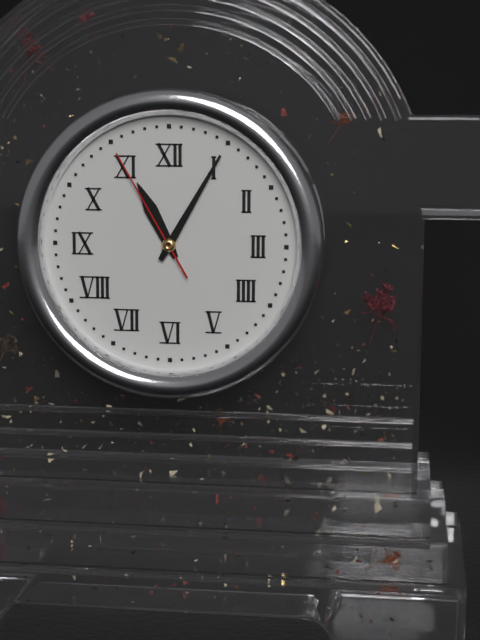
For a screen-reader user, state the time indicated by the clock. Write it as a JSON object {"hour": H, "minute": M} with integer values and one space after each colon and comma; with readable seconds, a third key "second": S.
{"hour": 11, "minute": 5, "second": 55}
